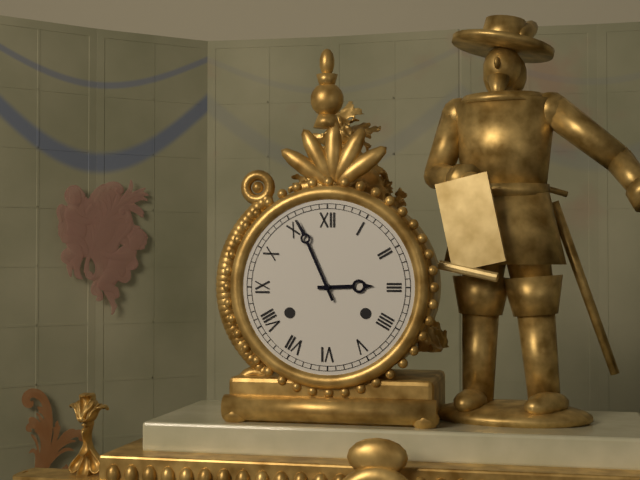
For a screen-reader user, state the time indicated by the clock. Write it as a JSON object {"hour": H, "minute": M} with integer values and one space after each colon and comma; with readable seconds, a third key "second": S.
{"hour": 2, "minute": 56}
